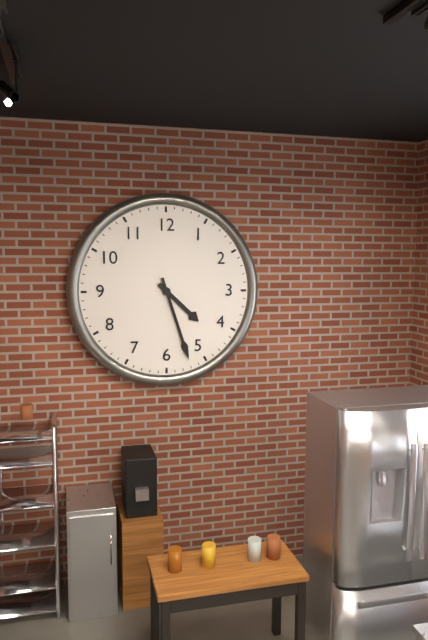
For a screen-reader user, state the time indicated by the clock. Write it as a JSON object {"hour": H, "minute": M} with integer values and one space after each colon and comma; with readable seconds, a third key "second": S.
{"hour": 4, "minute": 27}
